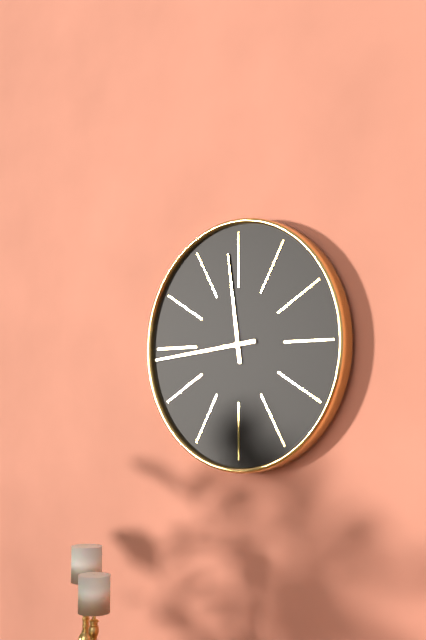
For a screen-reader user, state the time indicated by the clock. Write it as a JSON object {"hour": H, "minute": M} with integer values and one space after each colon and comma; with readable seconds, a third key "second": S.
{"hour": 11, "minute": 44}
